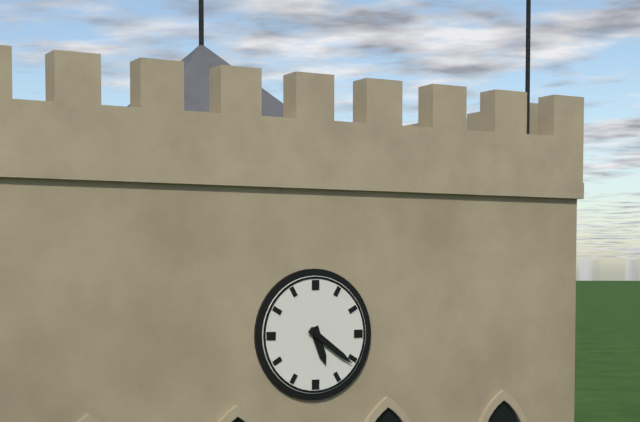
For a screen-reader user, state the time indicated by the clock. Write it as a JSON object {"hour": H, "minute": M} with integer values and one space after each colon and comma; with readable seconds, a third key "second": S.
{"hour": 5, "minute": 21}
